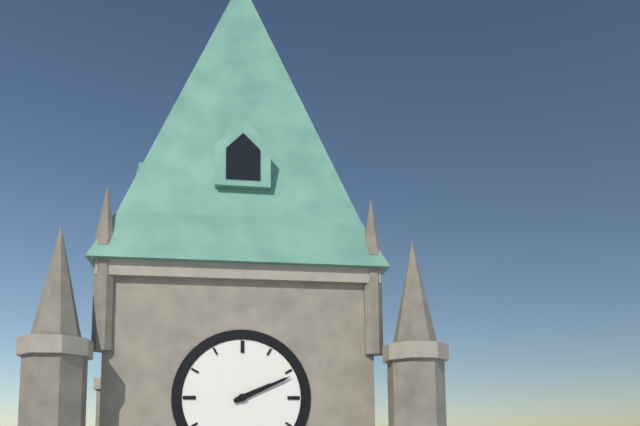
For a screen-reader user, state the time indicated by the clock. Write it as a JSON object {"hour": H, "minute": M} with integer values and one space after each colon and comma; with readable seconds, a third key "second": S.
{"hour": 2, "minute": 11}
